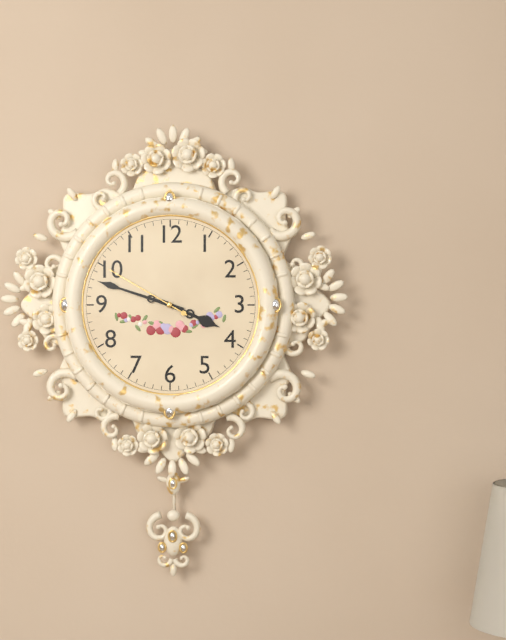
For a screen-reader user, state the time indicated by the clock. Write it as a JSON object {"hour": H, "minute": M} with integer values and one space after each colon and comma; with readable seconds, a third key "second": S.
{"hour": 3, "minute": 48, "second": 50}
